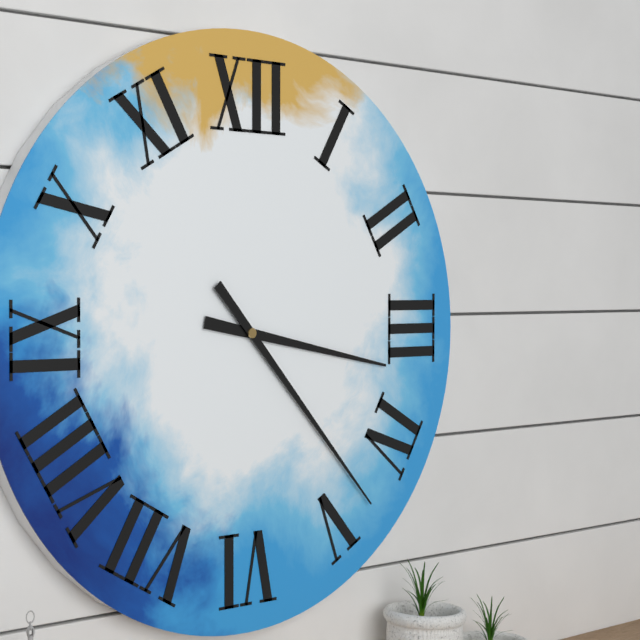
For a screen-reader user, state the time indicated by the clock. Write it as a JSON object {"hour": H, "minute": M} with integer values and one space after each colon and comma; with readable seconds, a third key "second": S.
{"hour": 3, "minute": 23}
